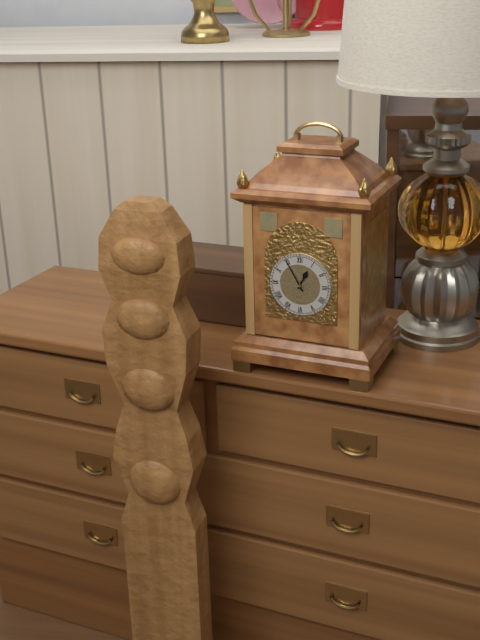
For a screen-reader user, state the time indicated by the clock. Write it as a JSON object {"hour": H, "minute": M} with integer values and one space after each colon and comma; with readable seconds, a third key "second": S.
{"hour": 12, "minute": 55}
